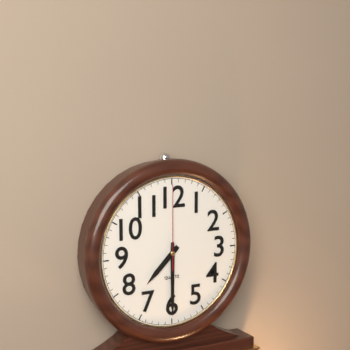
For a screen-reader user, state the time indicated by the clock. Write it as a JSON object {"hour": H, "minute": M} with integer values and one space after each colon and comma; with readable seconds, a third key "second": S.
{"hour": 7, "minute": 30, "second": 0}
